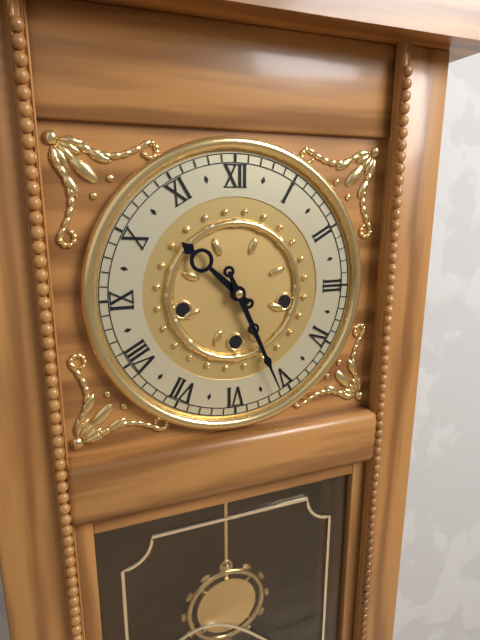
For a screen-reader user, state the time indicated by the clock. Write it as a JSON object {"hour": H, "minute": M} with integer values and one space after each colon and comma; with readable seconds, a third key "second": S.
{"hour": 10, "minute": 26}
